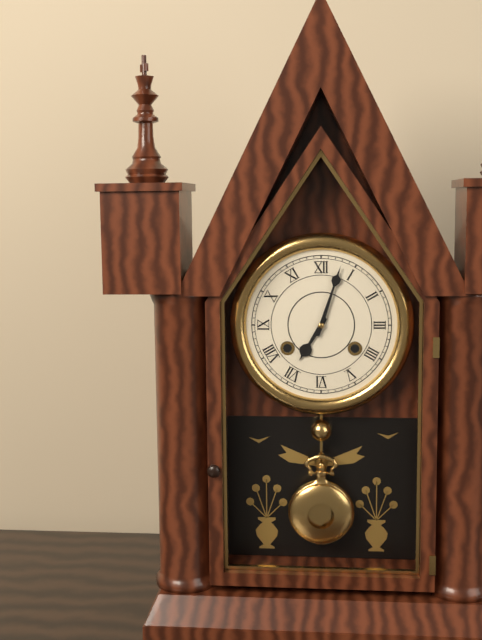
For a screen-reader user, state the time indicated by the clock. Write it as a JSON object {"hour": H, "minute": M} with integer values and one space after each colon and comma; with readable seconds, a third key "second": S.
{"hour": 7, "minute": 3}
